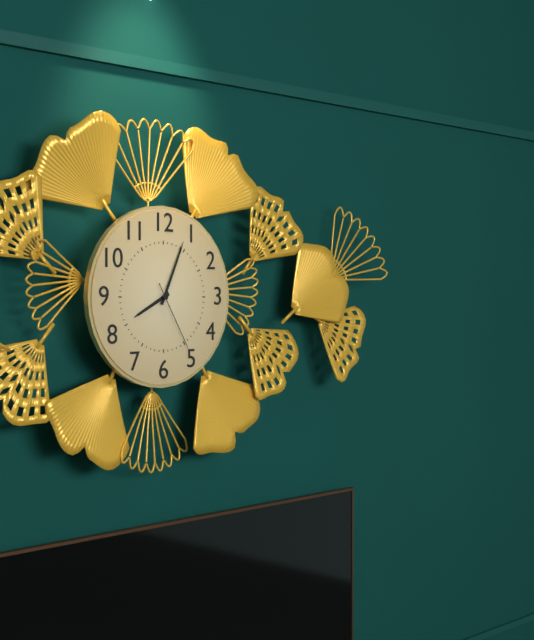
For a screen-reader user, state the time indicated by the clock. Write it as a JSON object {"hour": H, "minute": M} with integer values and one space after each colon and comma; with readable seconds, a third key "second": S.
{"hour": 8, "minute": 4, "second": 25}
